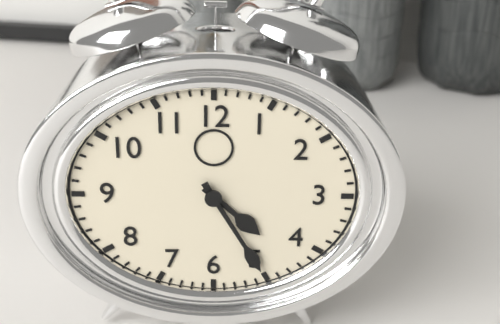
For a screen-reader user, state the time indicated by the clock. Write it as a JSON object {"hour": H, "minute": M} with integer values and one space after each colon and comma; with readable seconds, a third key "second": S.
{"hour": 4, "minute": 25}
